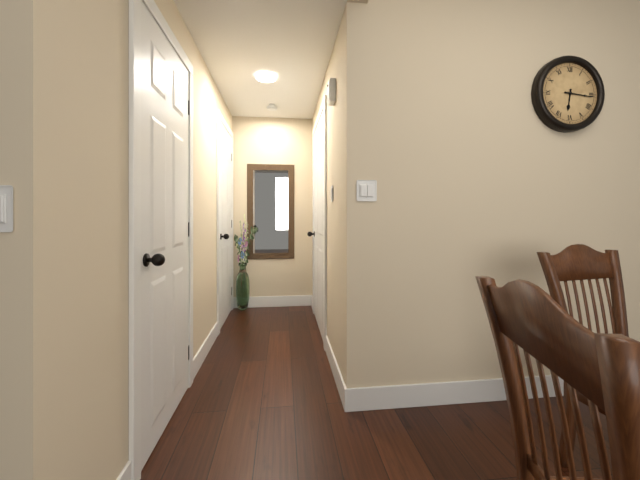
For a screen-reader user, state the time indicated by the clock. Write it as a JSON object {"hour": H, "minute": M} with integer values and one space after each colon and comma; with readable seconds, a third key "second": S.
{"hour": 6, "minute": 16}
